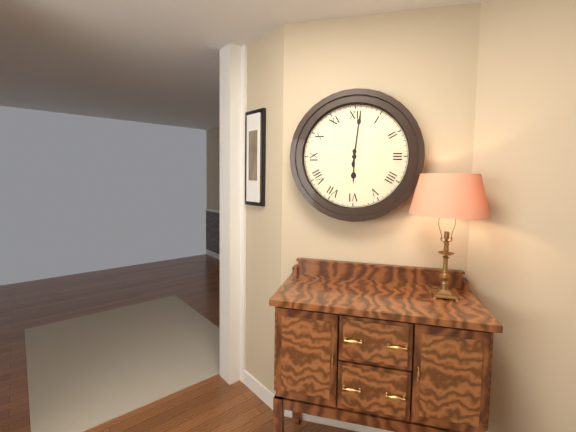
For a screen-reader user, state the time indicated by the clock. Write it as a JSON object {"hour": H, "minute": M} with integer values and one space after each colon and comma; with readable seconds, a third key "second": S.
{"hour": 6, "minute": 1}
